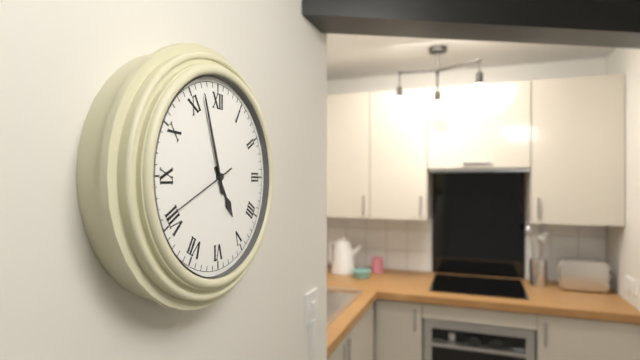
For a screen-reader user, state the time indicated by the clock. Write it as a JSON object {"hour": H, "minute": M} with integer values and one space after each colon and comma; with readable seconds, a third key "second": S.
{"hour": 4, "minute": 57, "second": 41}
